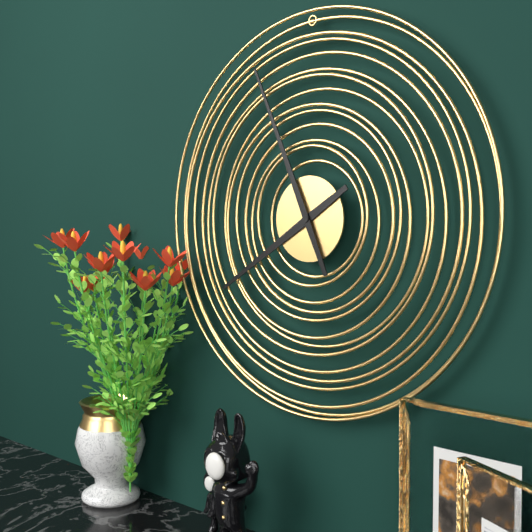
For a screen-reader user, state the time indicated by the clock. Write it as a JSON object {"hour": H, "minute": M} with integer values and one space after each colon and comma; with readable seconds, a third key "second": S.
{"hour": 7, "minute": 56}
